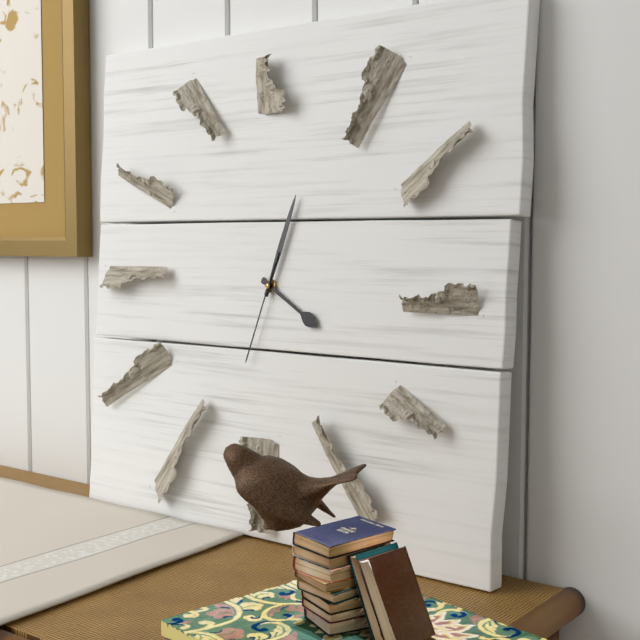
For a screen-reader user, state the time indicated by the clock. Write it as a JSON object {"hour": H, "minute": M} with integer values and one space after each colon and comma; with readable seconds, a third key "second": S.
{"hour": 4, "minute": 3, "second": 33}
